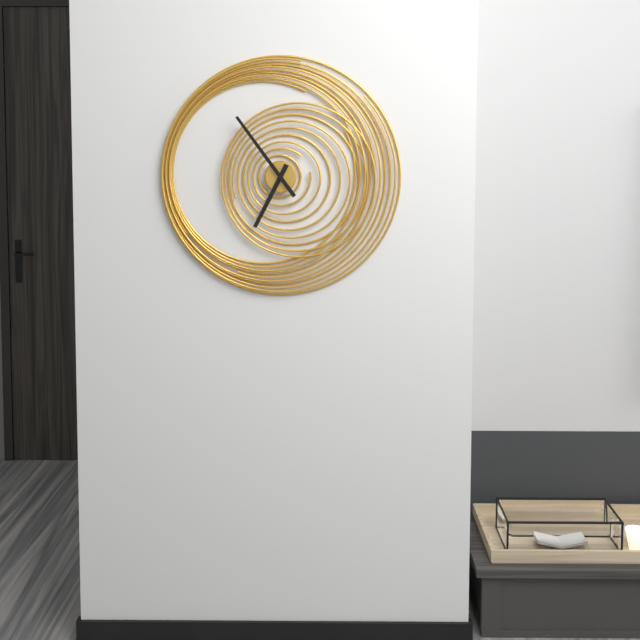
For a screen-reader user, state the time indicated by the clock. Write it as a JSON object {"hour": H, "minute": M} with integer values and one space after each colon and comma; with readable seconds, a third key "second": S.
{"hour": 6, "minute": 54}
